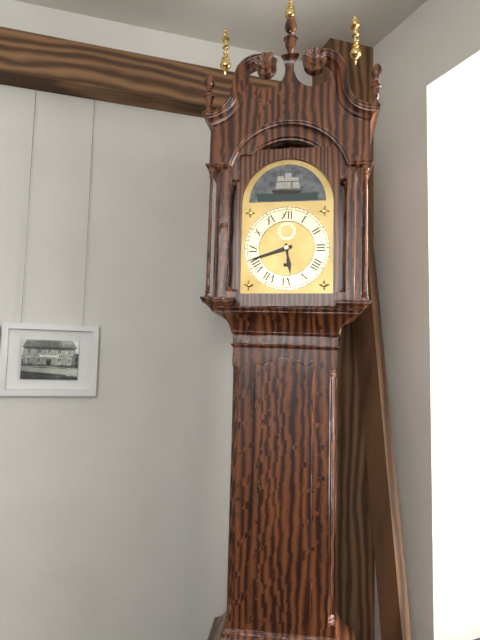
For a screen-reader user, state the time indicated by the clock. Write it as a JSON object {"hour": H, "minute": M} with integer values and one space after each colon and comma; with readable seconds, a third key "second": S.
{"hour": 5, "minute": 42}
